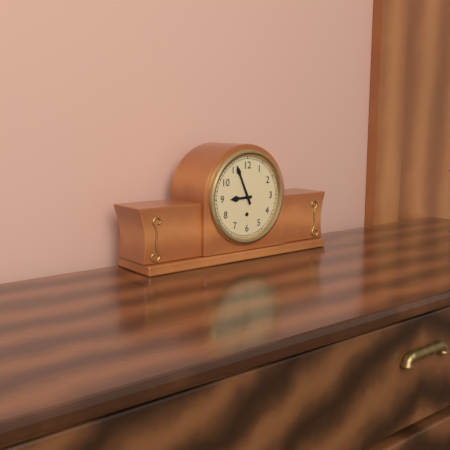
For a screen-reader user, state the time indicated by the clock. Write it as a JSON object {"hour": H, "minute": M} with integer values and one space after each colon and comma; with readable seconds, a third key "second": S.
{"hour": 8, "minute": 56}
